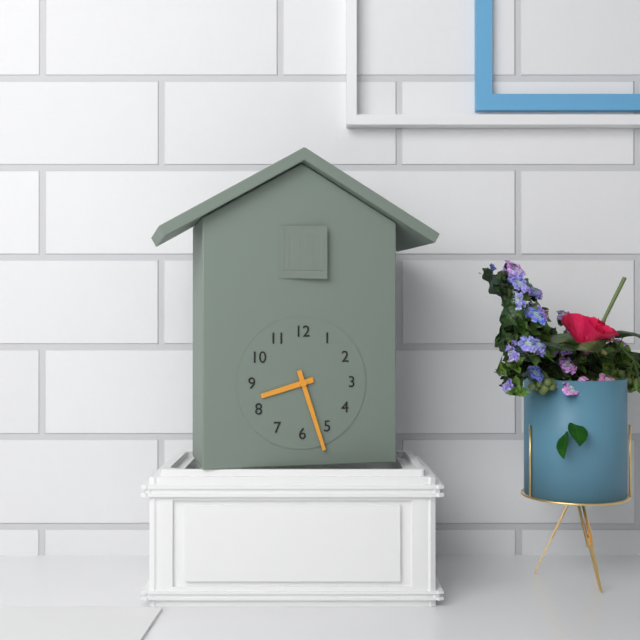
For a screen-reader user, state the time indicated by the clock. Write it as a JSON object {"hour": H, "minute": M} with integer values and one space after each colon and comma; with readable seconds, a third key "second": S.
{"hour": 8, "minute": 27}
